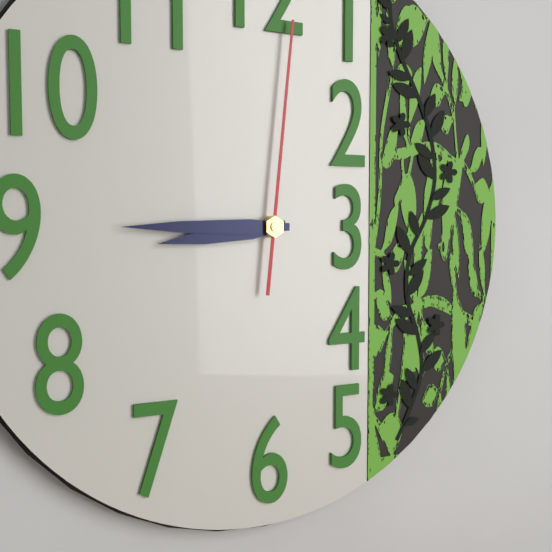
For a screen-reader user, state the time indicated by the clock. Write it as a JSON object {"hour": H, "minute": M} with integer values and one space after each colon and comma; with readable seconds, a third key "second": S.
{"hour": 8, "minute": 45, "second": 1}
